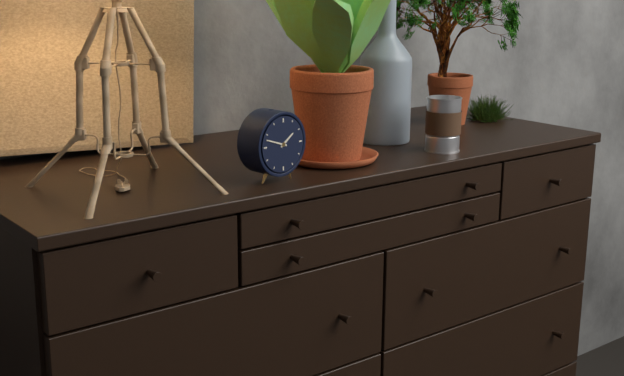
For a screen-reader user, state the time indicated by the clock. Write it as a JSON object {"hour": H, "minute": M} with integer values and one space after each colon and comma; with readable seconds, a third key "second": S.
{"hour": 1, "minute": 48}
